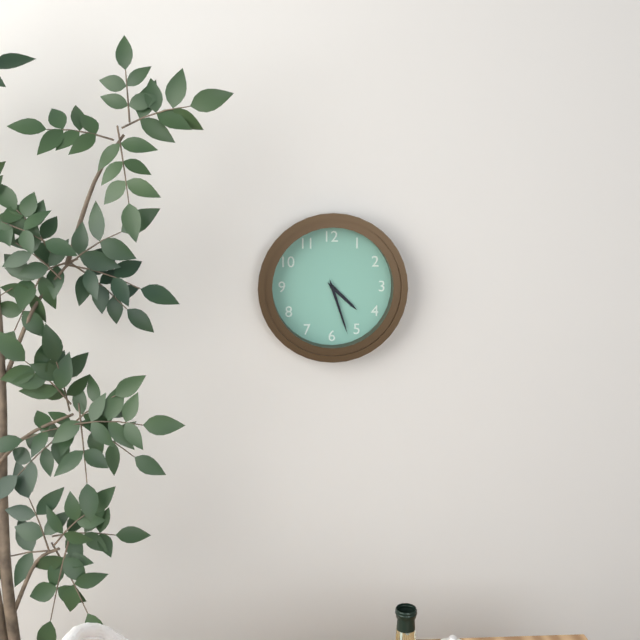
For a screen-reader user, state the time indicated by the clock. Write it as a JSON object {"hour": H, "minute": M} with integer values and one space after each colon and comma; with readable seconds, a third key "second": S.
{"hour": 4, "minute": 27}
